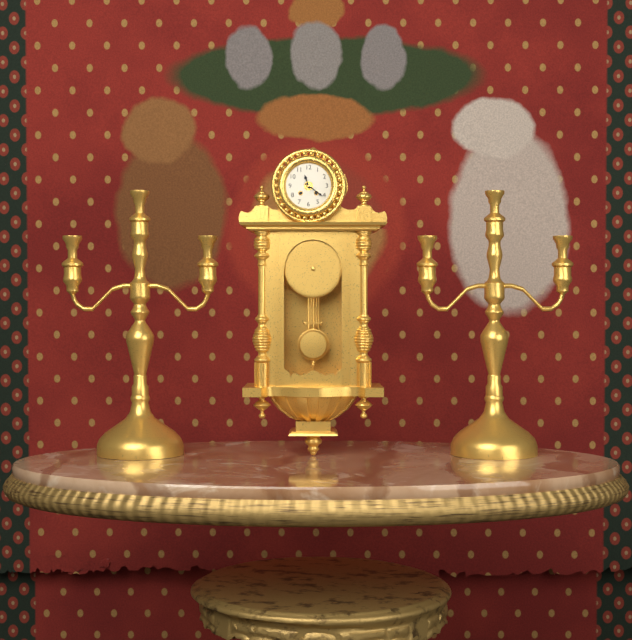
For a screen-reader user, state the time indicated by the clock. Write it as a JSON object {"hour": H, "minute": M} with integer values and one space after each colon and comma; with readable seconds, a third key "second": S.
{"hour": 11, "minute": 21}
